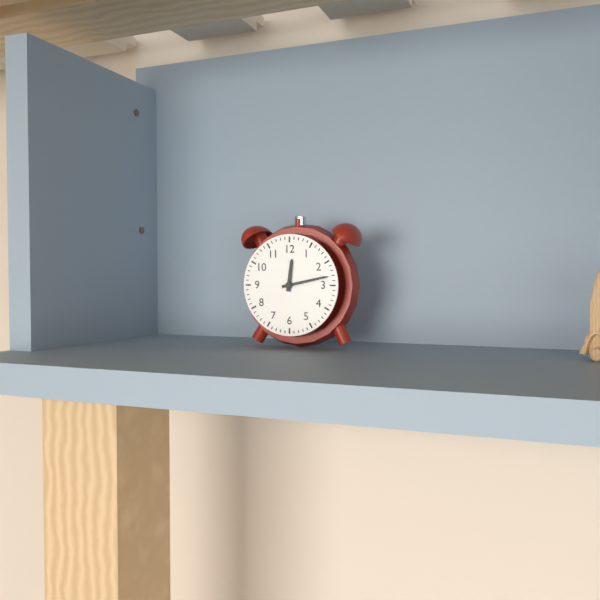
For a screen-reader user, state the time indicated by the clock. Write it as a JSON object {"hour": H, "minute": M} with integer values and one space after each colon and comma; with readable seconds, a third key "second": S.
{"hour": 12, "minute": 13}
